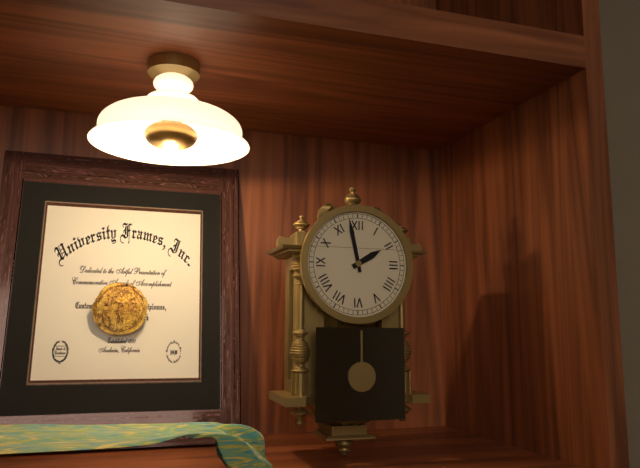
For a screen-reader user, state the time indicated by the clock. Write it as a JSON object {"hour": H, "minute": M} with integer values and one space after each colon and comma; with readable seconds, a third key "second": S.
{"hour": 1, "minute": 58}
